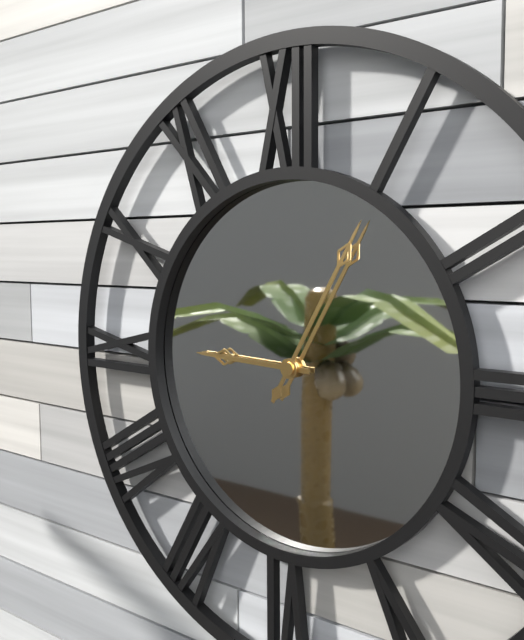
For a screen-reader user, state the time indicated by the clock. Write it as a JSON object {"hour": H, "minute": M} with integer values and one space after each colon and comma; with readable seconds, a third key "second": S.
{"hour": 9, "minute": 5}
